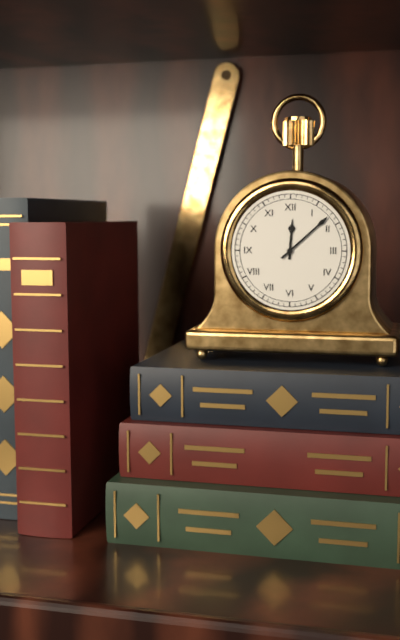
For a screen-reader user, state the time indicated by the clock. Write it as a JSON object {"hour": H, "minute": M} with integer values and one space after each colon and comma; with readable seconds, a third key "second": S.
{"hour": 12, "minute": 8}
